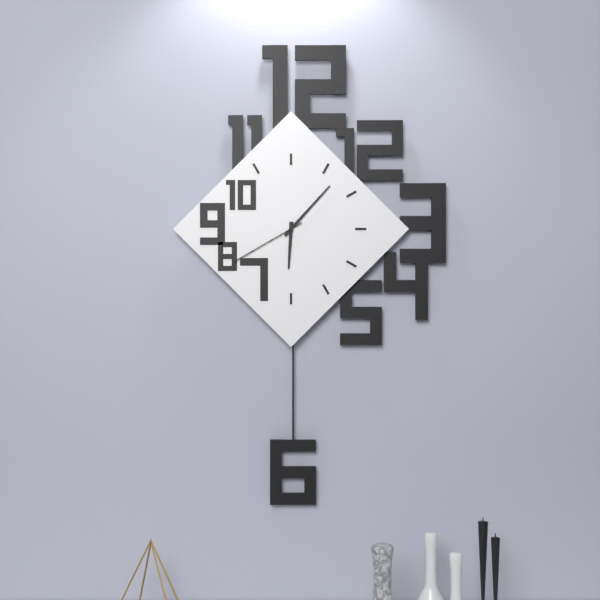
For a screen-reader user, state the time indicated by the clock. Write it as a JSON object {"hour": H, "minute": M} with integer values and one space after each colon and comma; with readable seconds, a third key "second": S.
{"hour": 6, "minute": 7, "second": 40}
